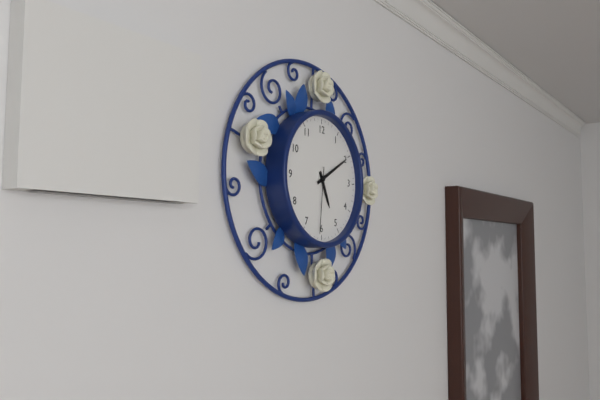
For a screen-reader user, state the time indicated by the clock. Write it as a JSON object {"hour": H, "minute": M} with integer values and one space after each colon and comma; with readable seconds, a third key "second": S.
{"hour": 5, "minute": 10, "second": 31}
